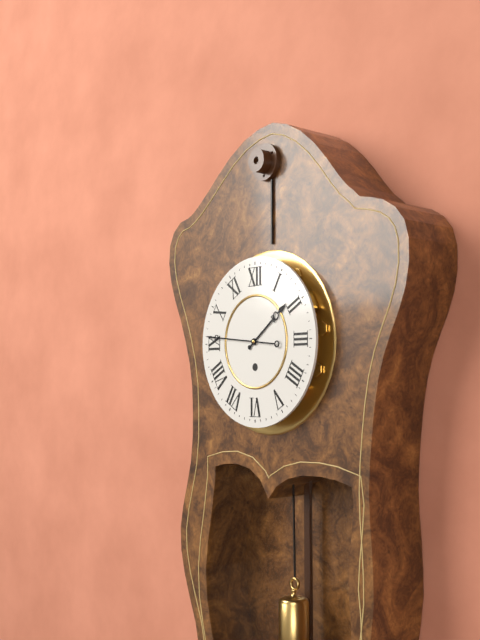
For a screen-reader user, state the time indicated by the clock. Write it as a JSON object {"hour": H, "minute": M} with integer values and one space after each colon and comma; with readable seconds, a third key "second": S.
{"hour": 1, "minute": 46}
